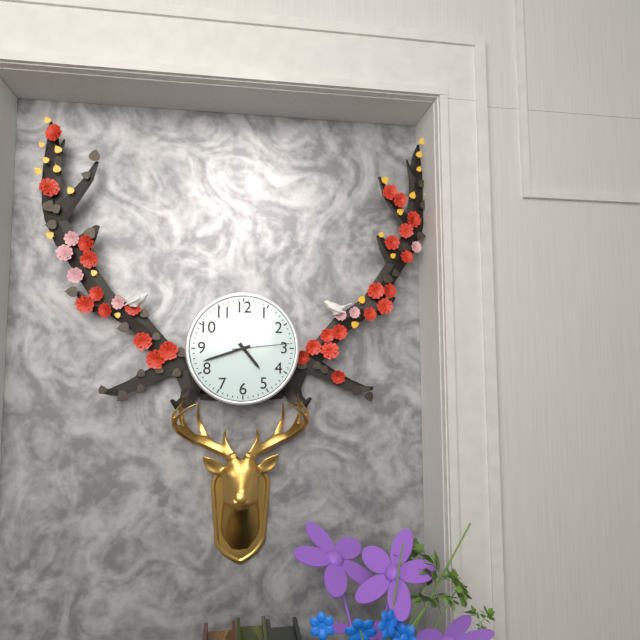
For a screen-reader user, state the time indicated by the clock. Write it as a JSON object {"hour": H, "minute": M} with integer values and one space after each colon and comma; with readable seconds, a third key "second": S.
{"hour": 4, "minute": 42, "second": 14}
